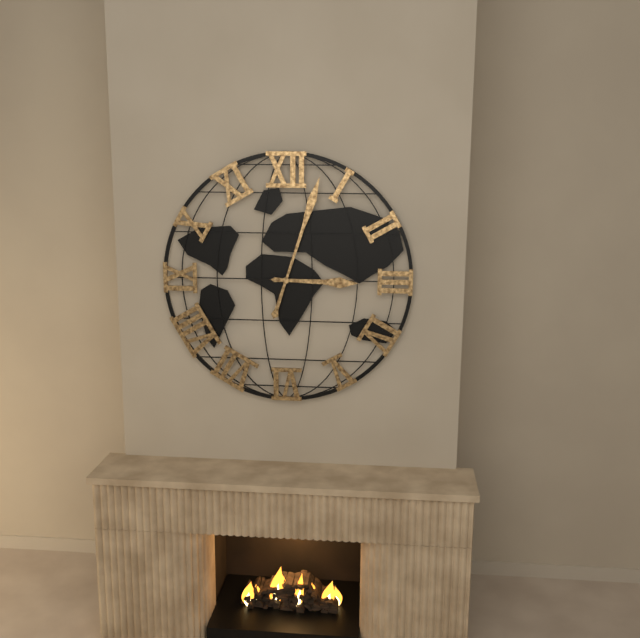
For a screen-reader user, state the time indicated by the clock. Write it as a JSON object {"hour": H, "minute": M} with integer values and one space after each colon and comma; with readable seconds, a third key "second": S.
{"hour": 3, "minute": 3}
